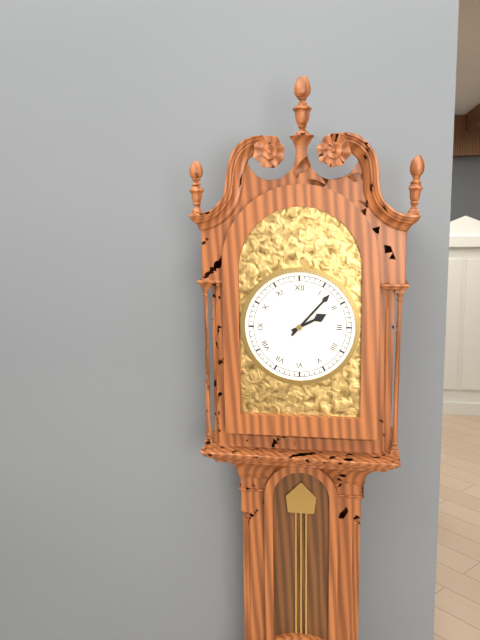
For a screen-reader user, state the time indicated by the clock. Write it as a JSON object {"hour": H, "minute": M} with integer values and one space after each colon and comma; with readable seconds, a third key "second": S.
{"hour": 2, "minute": 7}
